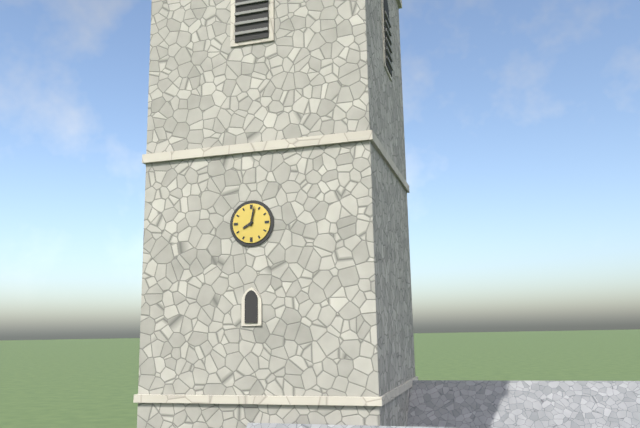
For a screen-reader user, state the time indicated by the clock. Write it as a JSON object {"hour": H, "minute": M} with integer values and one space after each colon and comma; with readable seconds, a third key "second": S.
{"hour": 8, "minute": 2}
